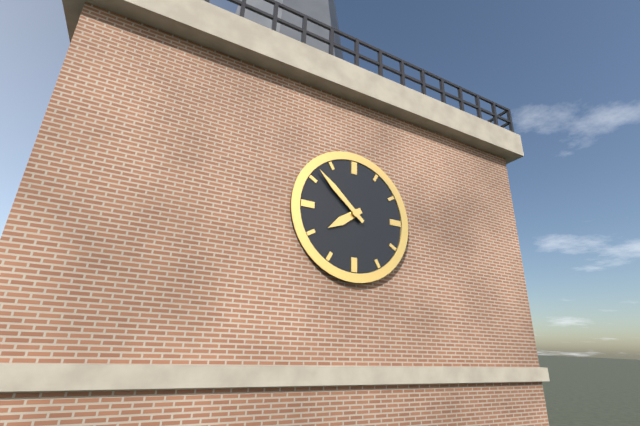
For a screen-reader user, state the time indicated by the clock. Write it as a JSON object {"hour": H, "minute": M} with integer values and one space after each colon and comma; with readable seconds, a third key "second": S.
{"hour": 7, "minute": 52}
